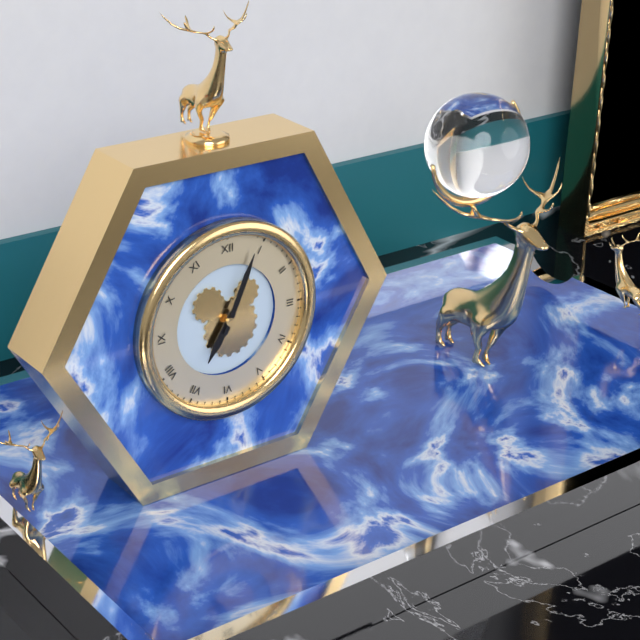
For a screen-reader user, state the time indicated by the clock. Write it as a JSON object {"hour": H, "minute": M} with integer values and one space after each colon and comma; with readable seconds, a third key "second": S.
{"hour": 7, "minute": 4}
